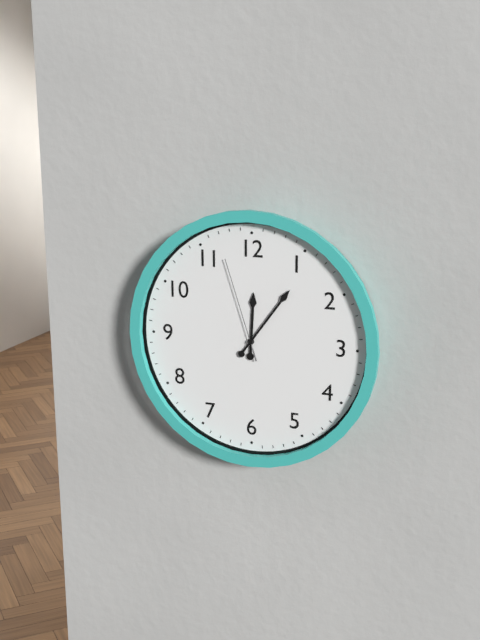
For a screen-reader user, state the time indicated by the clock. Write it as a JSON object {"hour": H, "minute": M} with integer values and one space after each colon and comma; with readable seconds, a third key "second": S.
{"hour": 12, "minute": 6, "second": 57}
